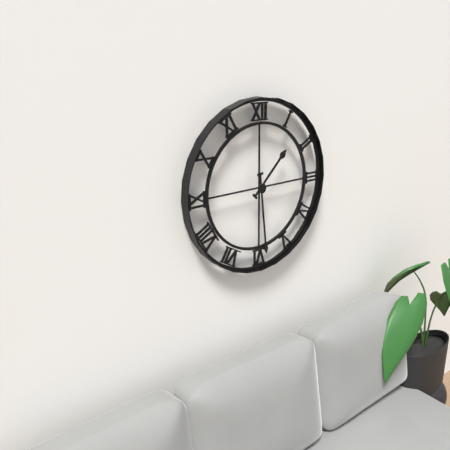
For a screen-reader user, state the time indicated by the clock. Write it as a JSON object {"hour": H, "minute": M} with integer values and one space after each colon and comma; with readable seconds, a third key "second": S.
{"hour": 1, "minute": 29}
